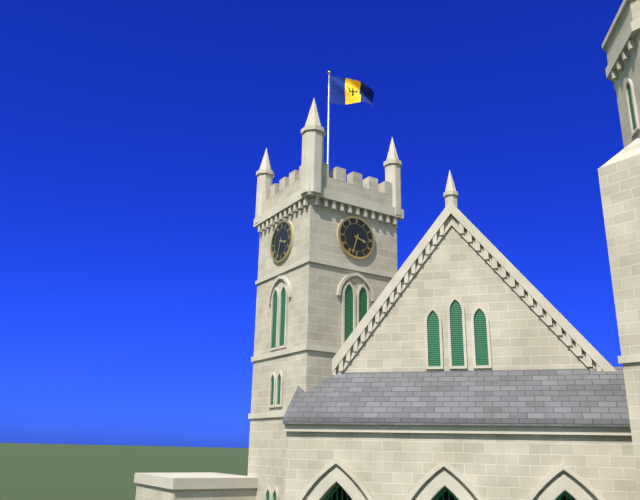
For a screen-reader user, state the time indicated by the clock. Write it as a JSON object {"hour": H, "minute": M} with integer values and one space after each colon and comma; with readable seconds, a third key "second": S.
{"hour": 3, "minute": 33}
